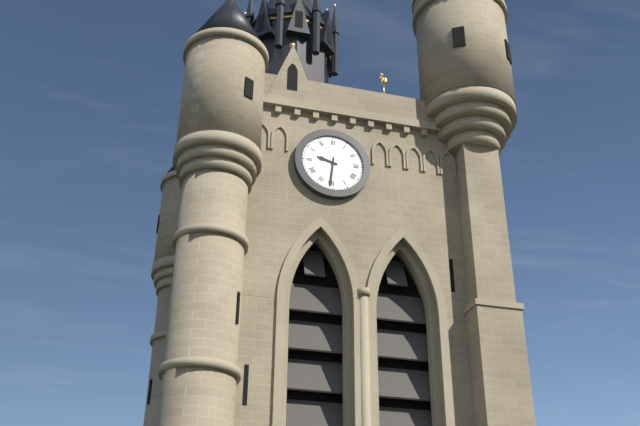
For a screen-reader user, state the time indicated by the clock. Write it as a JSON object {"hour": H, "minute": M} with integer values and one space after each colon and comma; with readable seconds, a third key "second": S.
{"hour": 9, "minute": 31}
